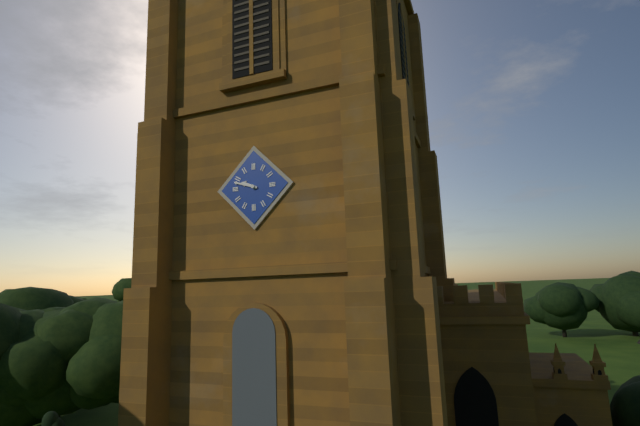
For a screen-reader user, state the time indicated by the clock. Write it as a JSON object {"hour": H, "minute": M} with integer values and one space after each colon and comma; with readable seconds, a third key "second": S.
{"hour": 9, "minute": 48}
